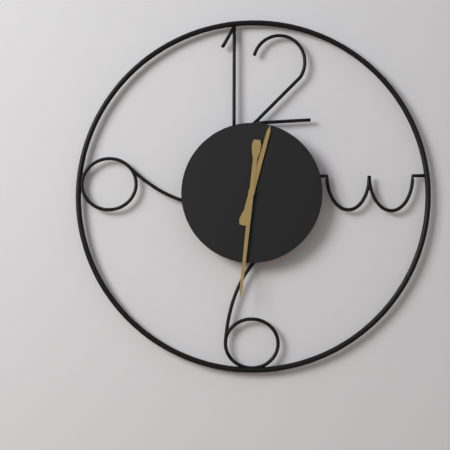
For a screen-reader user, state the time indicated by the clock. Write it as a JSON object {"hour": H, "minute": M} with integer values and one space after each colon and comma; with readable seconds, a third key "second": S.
{"hour": 12, "minute": 31}
